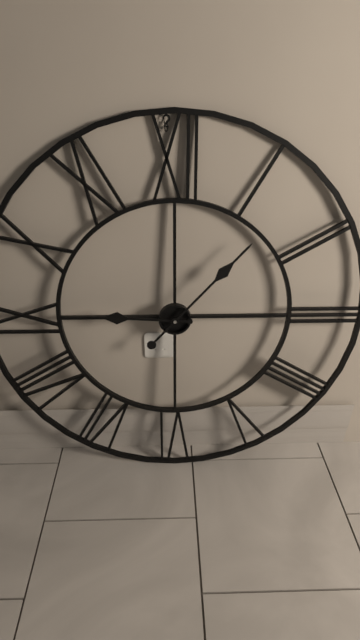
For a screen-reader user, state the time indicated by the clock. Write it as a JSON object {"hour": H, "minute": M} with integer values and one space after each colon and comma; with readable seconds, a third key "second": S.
{"hour": 9, "minute": 7}
